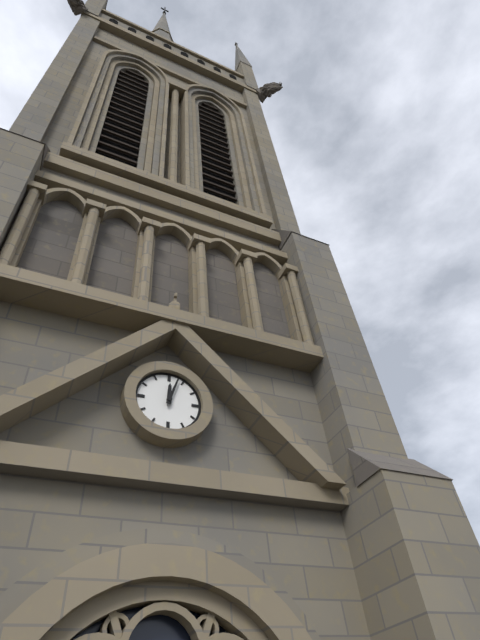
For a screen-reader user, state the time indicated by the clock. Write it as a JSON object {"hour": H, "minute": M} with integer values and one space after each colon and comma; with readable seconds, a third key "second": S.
{"hour": 12, "minute": 3}
